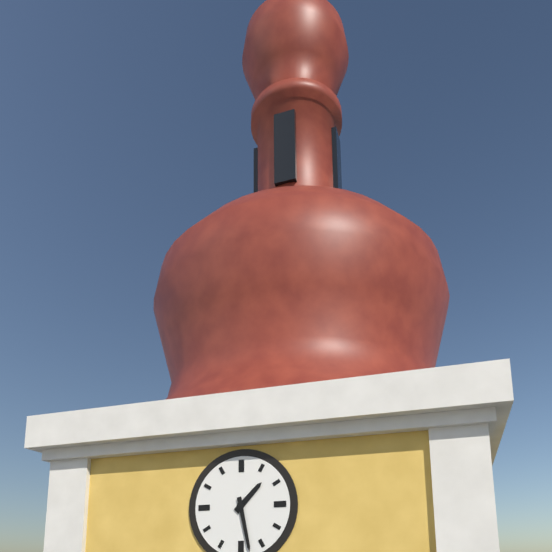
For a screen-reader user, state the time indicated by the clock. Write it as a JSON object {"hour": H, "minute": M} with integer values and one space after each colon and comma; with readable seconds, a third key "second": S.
{"hour": 1, "minute": 28}
